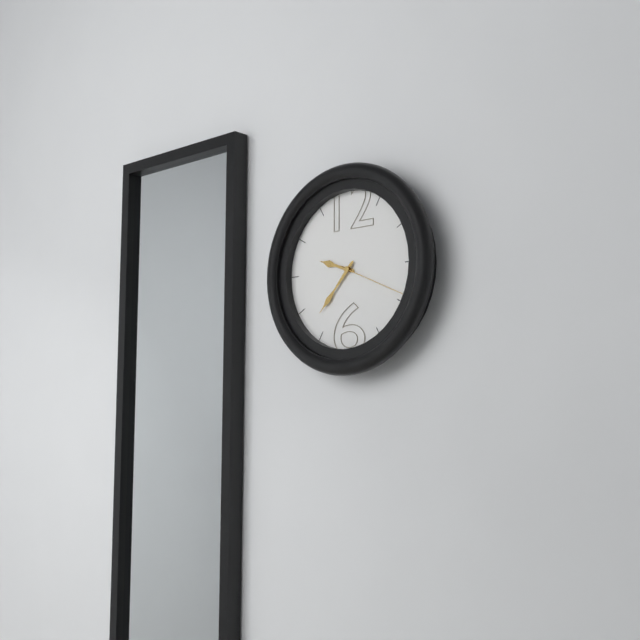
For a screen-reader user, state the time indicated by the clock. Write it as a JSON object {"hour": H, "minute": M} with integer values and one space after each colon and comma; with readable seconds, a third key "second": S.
{"hour": 9, "minute": 37, "second": 19}
